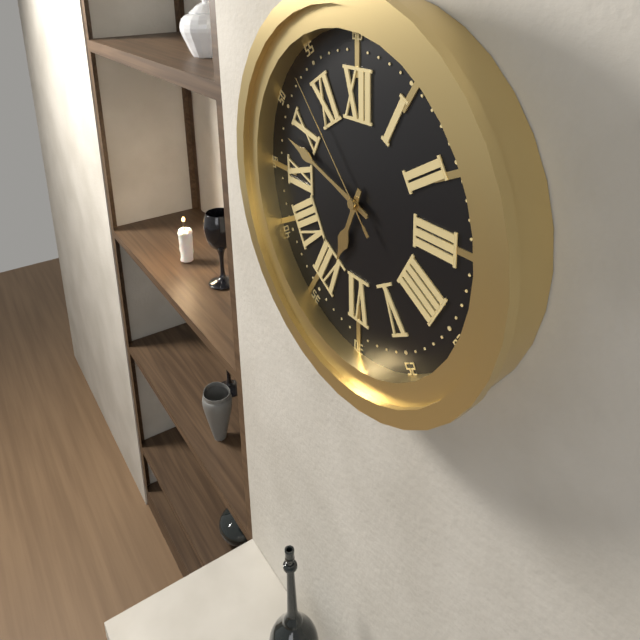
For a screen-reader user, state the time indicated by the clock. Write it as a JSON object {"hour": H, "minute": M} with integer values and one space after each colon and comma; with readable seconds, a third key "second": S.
{"hour": 6, "minute": 48, "second": 53}
